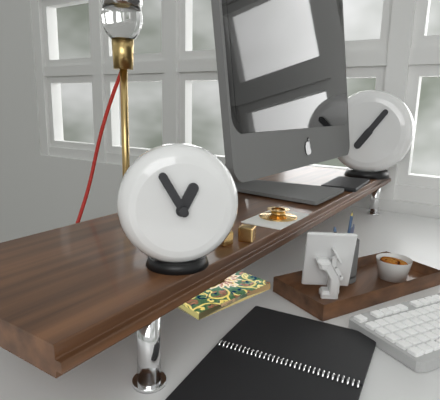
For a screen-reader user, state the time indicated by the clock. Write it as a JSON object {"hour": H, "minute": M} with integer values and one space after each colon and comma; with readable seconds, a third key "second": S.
{"hour": 12, "minute": 55}
